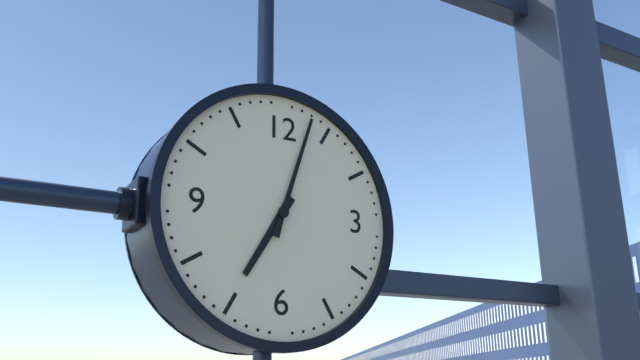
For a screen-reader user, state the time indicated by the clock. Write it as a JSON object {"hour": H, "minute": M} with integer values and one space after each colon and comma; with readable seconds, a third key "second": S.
{"hour": 7, "minute": 3}
